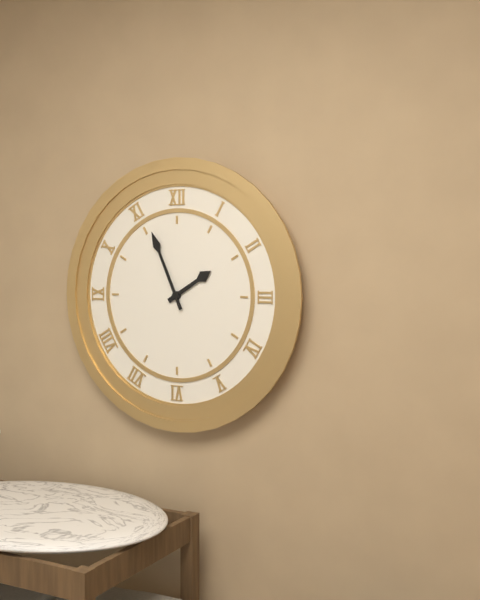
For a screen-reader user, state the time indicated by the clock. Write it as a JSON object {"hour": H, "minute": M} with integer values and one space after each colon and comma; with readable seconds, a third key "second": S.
{"hour": 1, "minute": 56}
